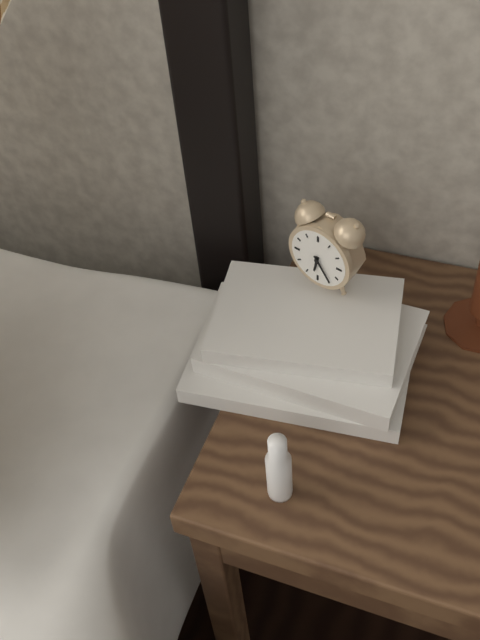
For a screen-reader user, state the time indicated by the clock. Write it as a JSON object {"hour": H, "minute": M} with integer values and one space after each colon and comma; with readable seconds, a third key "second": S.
{"hour": 6, "minute": 24}
